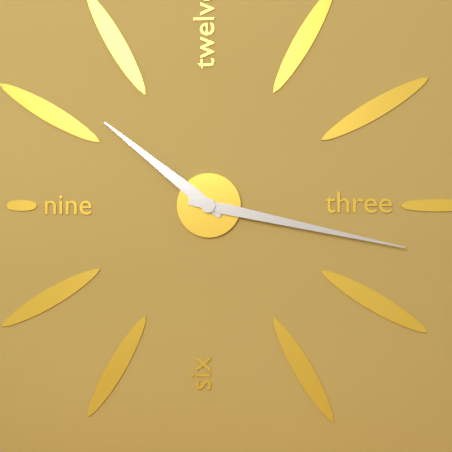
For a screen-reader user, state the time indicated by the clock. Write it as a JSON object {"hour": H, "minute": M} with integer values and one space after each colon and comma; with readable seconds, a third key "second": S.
{"hour": 10, "minute": 17}
